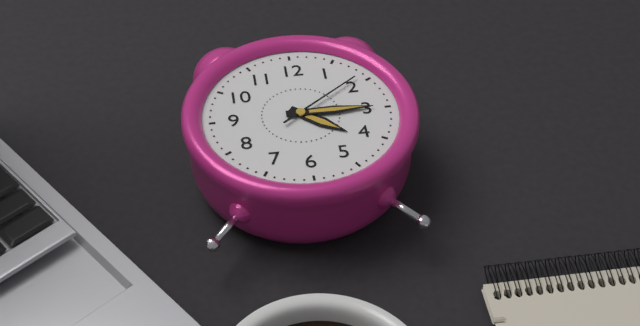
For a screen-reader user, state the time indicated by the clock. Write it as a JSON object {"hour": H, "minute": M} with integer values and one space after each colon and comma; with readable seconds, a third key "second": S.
{"hour": 4, "minute": 15, "second": 9}
